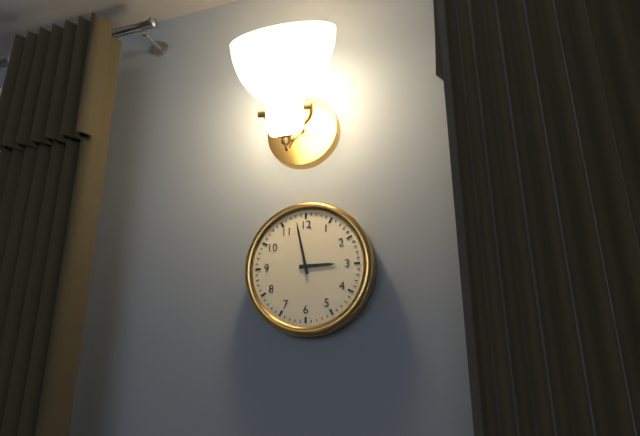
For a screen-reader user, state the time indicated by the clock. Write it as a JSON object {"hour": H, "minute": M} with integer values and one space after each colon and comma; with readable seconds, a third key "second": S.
{"hour": 2, "minute": 58}
